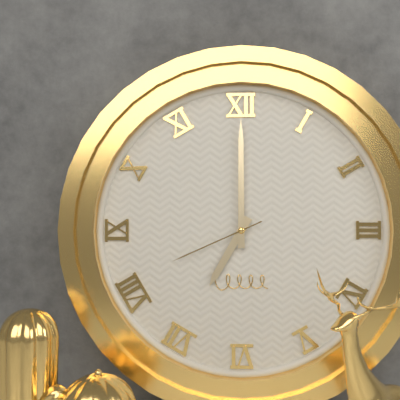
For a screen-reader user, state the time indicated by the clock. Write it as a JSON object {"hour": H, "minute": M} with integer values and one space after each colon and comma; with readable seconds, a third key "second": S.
{"hour": 7, "minute": 0, "second": 41}
